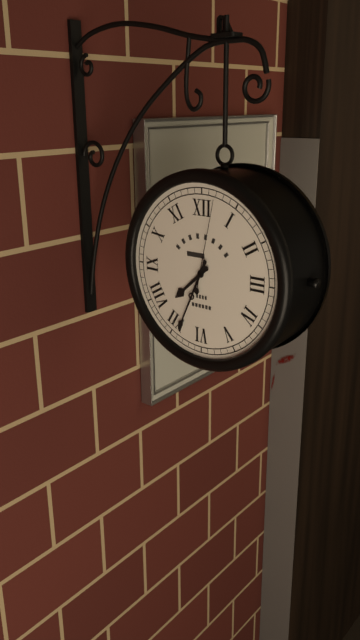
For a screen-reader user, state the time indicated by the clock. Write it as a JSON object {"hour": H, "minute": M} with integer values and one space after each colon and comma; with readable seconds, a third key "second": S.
{"hour": 7, "minute": 34, "second": 2}
